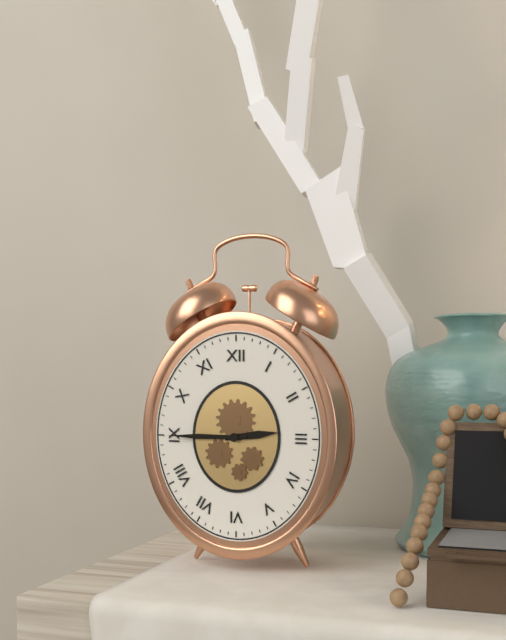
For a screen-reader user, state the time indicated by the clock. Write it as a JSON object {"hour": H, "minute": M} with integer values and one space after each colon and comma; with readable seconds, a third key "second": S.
{"hour": 2, "minute": 45}
